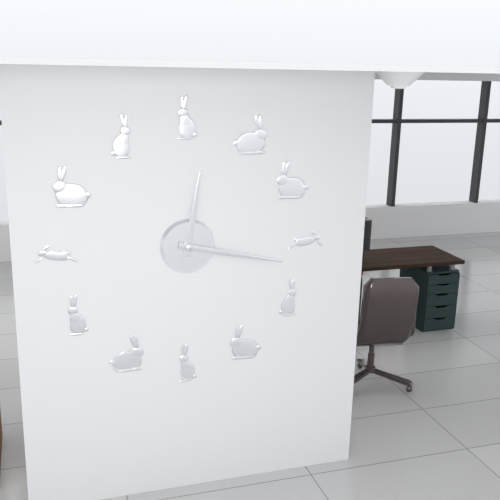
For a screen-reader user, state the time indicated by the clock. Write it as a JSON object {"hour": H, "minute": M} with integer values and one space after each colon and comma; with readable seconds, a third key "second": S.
{"hour": 12, "minute": 17}
